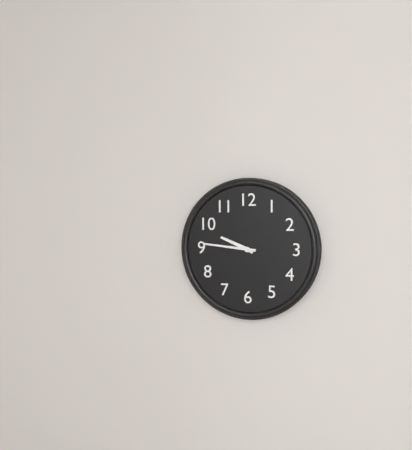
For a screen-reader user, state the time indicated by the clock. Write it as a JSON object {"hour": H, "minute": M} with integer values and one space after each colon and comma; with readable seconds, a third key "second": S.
{"hour": 9, "minute": 46}
